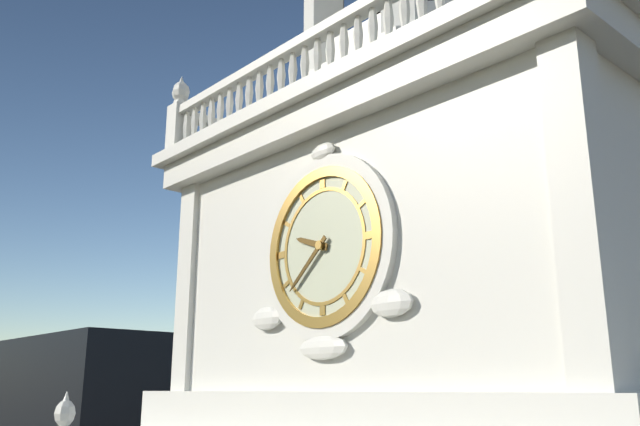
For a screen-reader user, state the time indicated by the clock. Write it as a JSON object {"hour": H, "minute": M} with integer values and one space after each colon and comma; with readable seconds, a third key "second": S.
{"hour": 9, "minute": 38}
